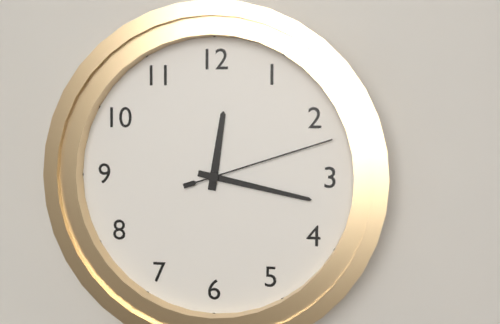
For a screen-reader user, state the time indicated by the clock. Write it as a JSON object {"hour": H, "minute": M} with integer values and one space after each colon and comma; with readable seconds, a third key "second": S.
{"hour": 12, "minute": 17, "second": 12}
